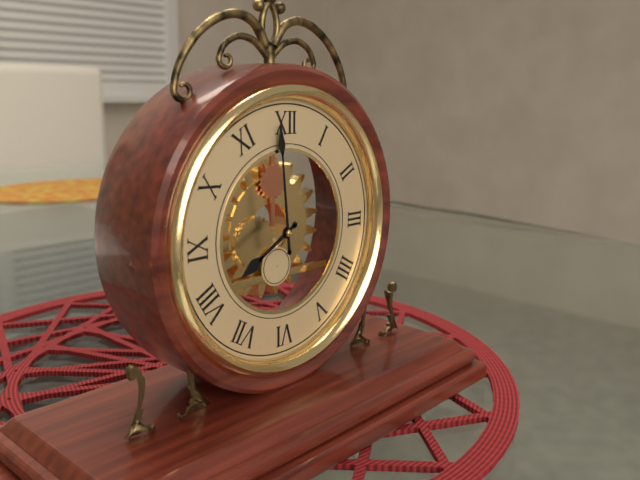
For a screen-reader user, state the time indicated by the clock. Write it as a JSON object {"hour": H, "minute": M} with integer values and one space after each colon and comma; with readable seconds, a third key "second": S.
{"hour": 7, "minute": 59}
